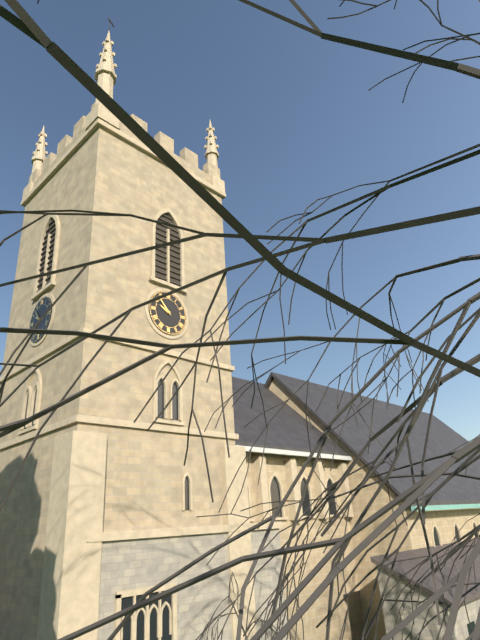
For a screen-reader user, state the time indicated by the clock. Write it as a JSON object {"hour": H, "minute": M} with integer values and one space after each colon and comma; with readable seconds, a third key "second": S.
{"hour": 9, "minute": 53}
